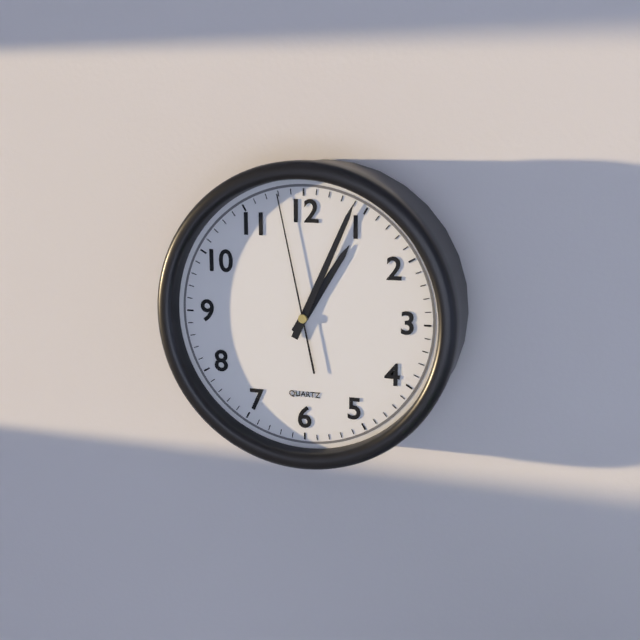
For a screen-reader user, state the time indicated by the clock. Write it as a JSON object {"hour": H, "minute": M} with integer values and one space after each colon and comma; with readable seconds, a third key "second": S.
{"hour": 1, "minute": 4, "second": 58}
